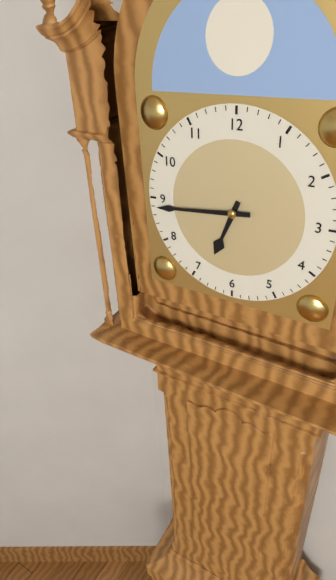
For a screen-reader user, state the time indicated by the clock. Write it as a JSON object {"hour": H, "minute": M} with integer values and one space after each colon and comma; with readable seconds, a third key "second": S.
{"hour": 6, "minute": 44}
